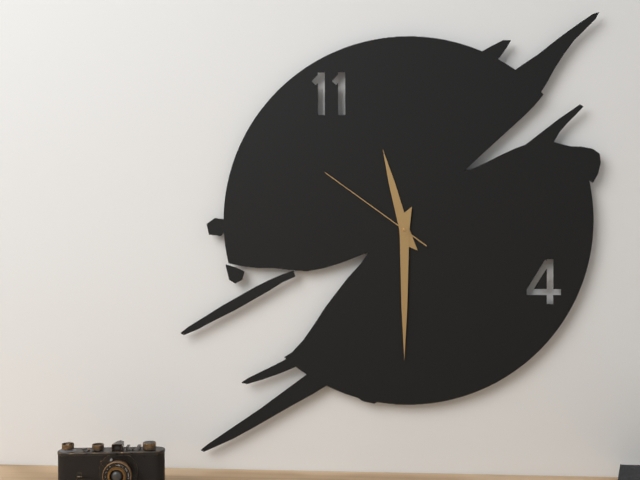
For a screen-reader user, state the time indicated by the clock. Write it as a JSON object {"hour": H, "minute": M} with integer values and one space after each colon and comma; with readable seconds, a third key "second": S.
{"hour": 11, "minute": 30, "second": 51}
